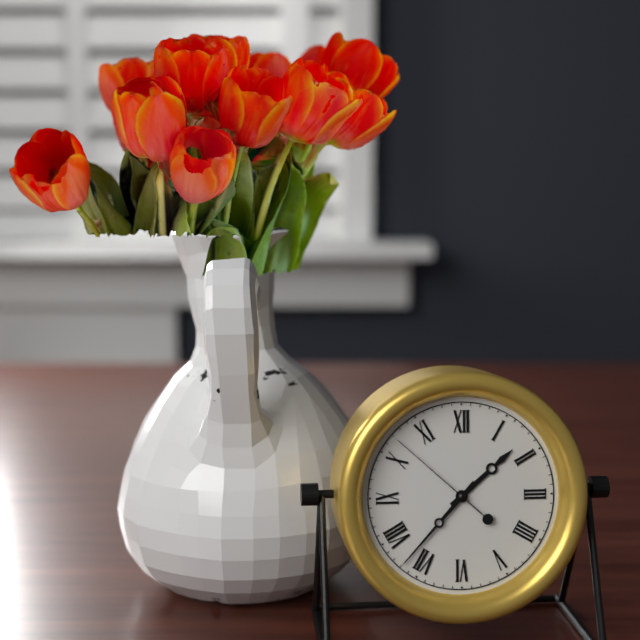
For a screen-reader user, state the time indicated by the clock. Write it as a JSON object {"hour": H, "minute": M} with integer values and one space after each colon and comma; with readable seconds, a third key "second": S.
{"hour": 1, "minute": 37, "second": 52}
